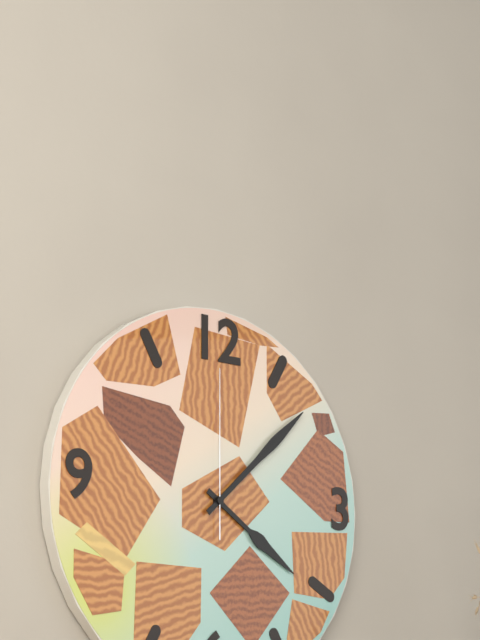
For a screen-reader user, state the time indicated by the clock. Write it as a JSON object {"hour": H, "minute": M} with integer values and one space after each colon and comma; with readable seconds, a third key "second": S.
{"hour": 4, "minute": 8, "second": 0}
